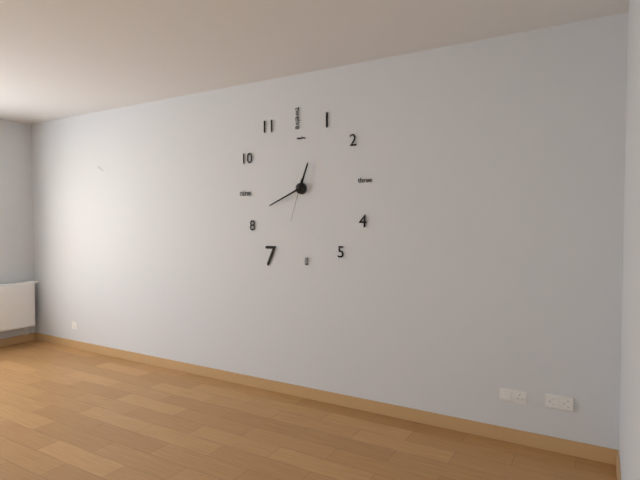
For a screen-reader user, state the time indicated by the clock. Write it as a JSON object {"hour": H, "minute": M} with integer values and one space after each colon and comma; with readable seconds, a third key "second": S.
{"hour": 12, "minute": 41}
